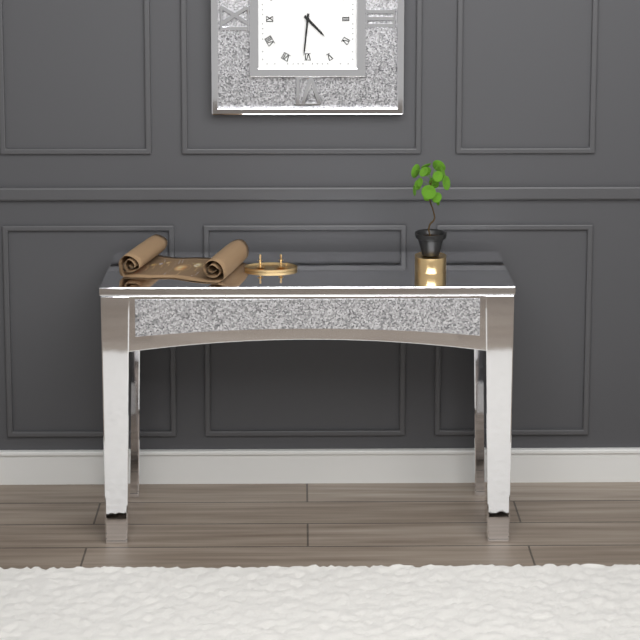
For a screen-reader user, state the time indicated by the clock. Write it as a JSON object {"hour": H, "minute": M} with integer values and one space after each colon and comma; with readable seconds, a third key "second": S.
{"hour": 4, "minute": 31}
